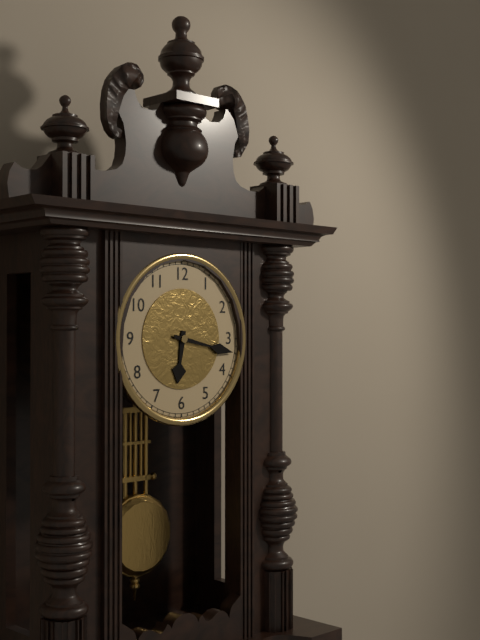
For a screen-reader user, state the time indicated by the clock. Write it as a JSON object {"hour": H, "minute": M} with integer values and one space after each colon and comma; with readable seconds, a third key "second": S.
{"hour": 6, "minute": 17}
